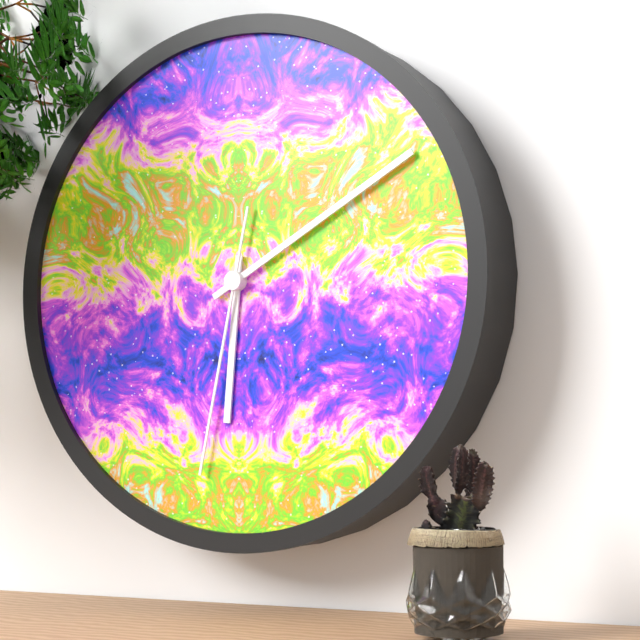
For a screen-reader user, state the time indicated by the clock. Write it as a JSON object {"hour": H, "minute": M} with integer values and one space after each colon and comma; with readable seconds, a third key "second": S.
{"hour": 6, "minute": 10, "second": 32}
